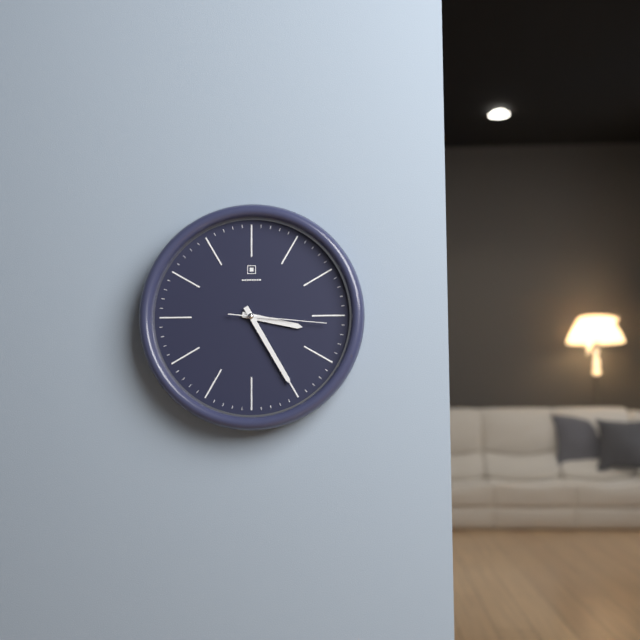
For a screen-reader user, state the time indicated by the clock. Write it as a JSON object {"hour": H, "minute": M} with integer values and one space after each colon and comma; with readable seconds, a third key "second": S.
{"hour": 3, "minute": 25, "second": 16}
